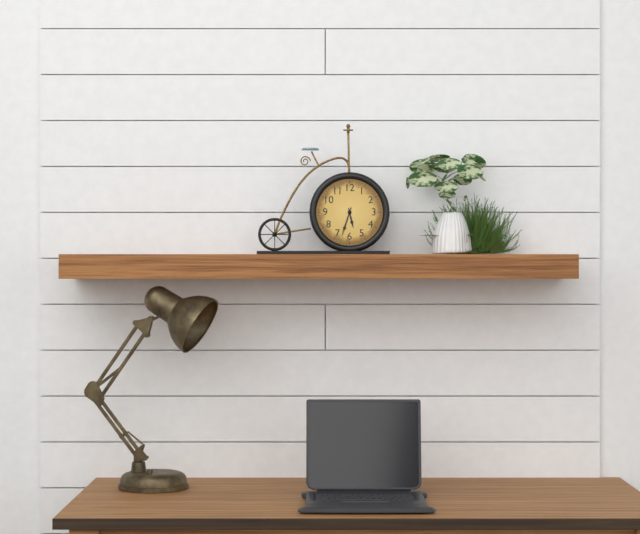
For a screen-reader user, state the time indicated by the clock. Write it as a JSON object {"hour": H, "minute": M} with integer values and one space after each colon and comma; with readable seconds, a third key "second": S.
{"hour": 5, "minute": 33}
